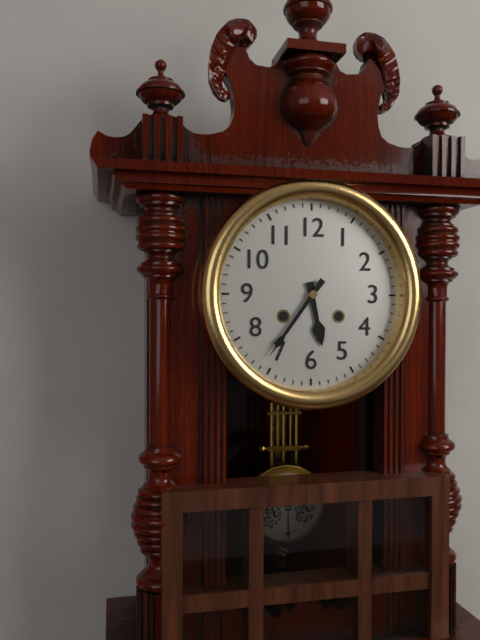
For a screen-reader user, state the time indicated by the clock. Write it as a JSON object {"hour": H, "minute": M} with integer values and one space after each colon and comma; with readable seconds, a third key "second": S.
{"hour": 5, "minute": 36}
